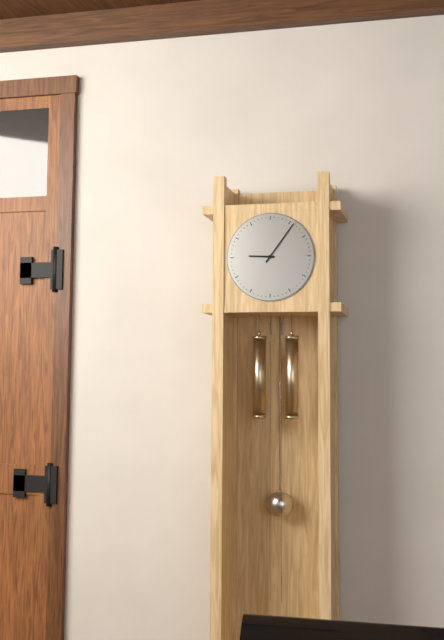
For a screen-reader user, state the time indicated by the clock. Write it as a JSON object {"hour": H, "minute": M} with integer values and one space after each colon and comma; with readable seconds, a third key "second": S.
{"hour": 9, "minute": 6}
